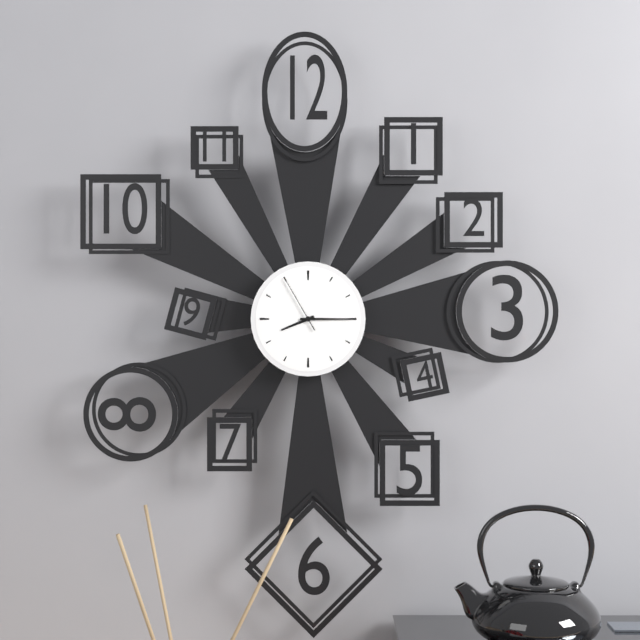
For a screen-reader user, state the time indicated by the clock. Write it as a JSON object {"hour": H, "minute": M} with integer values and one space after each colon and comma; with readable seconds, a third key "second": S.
{"hour": 8, "minute": 15, "second": 55}
